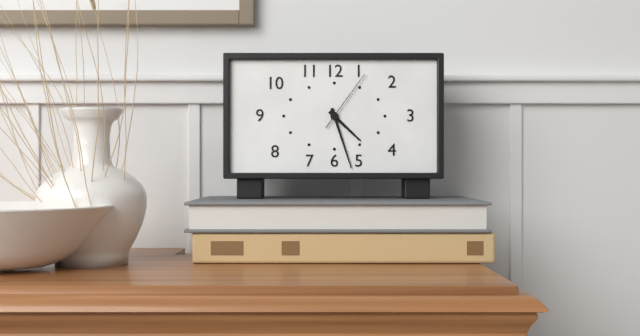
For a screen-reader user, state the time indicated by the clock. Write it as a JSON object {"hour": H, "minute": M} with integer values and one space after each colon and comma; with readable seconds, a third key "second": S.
{"hour": 4, "minute": 27, "second": 6}
